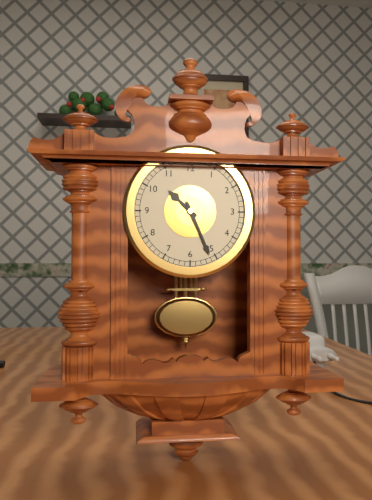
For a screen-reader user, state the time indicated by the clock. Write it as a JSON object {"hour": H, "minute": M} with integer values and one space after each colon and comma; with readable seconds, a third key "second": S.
{"hour": 10, "minute": 26}
